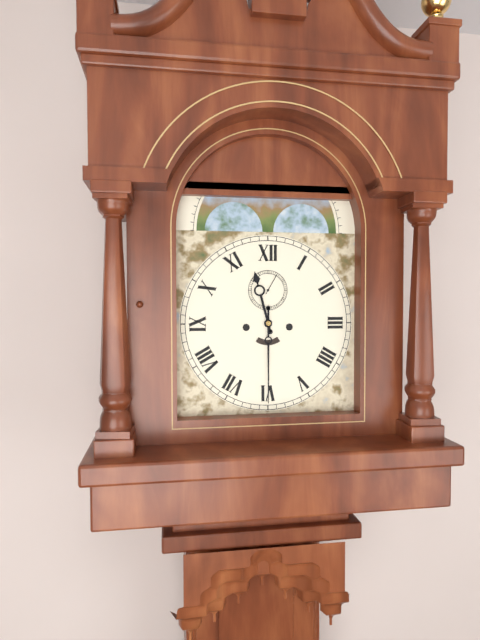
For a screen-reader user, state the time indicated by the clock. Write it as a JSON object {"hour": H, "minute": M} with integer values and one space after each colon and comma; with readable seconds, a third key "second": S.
{"hour": 11, "minute": 30}
